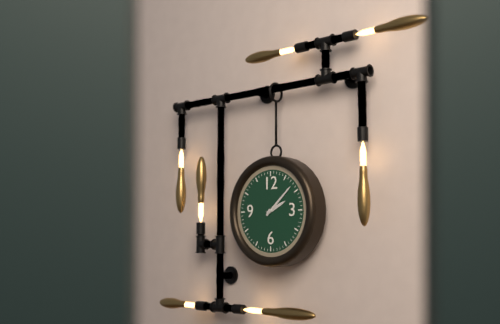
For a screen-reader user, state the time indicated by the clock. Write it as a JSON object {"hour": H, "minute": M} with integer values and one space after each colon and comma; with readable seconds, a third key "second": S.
{"hour": 2, "minute": 8}
